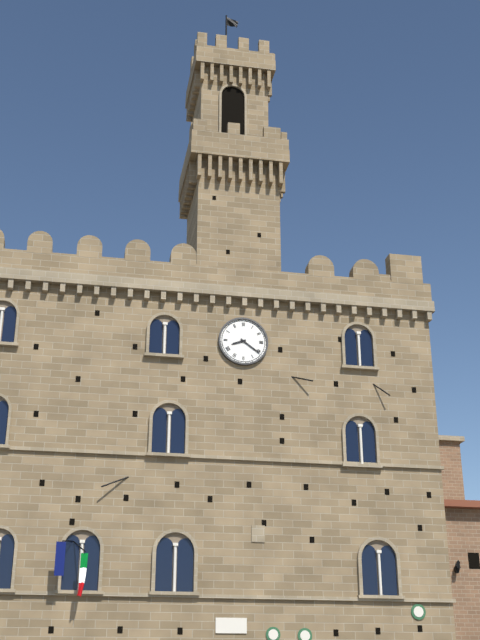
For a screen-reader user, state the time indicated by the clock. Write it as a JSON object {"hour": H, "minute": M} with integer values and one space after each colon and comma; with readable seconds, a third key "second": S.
{"hour": 8, "minute": 21}
